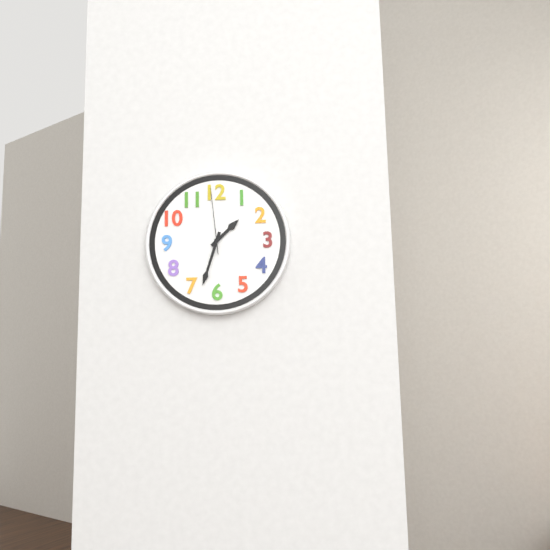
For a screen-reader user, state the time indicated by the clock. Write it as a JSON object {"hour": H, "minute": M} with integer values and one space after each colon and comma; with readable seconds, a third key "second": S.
{"hour": 1, "minute": 33, "second": 59}
